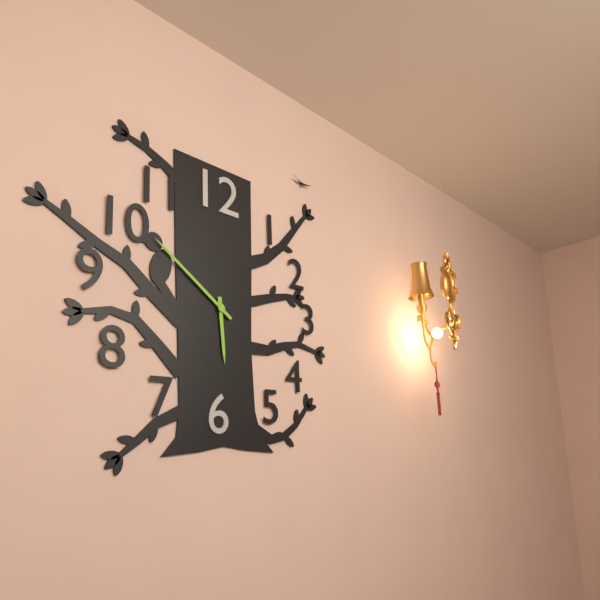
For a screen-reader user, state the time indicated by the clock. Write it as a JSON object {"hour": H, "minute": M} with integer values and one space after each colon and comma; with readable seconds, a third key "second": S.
{"hour": 5, "minute": 51}
